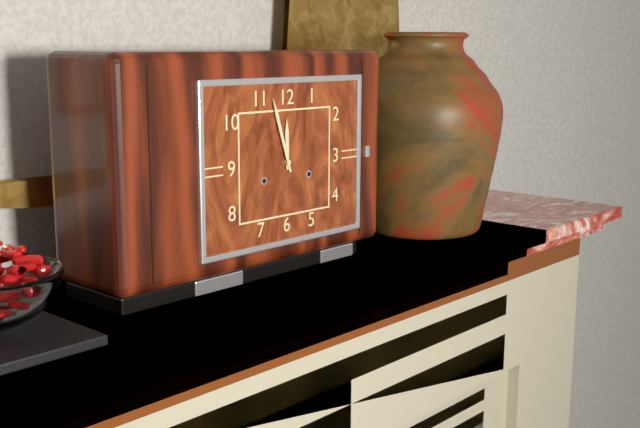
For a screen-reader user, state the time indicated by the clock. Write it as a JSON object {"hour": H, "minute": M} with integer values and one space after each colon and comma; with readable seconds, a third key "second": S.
{"hour": 11, "minute": 57}
